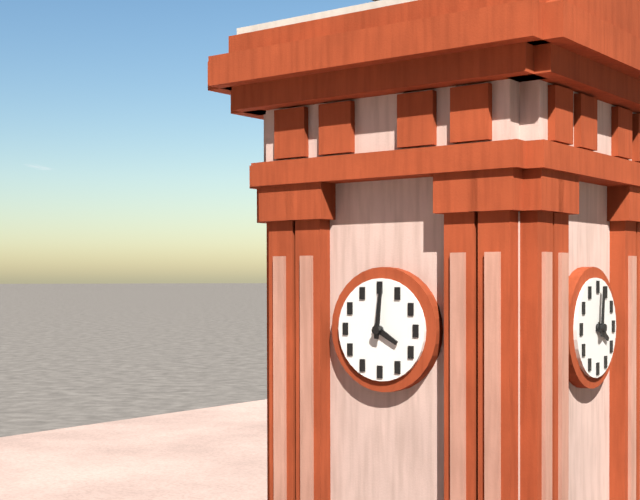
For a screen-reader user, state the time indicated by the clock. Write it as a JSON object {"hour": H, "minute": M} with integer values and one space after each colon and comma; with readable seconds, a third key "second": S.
{"hour": 4, "minute": 1}
